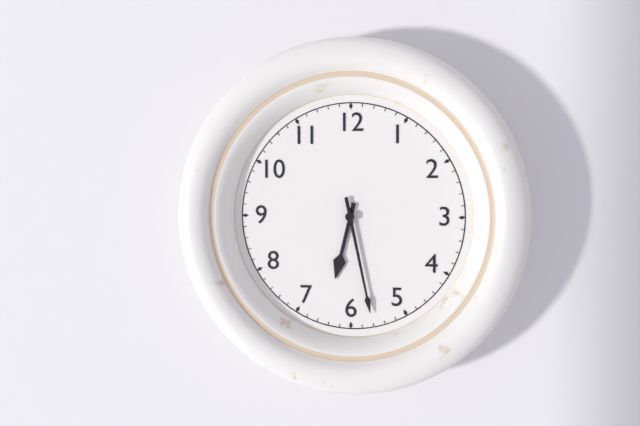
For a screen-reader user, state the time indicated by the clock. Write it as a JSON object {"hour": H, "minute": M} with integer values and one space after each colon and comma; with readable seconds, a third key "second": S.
{"hour": 6, "minute": 28}
